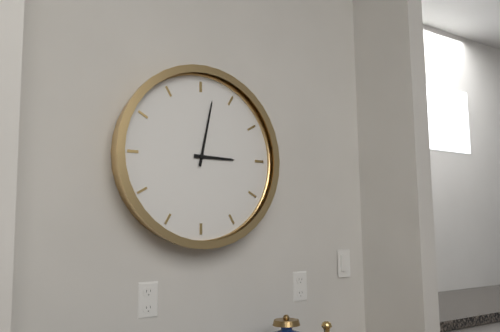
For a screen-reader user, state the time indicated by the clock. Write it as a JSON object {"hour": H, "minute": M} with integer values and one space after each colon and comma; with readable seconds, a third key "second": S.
{"hour": 3, "minute": 2}
